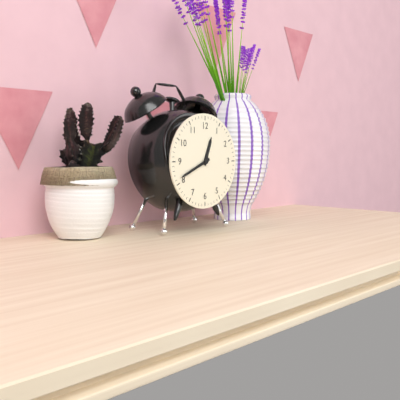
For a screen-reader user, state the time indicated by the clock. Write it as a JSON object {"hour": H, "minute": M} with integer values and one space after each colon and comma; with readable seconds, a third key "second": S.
{"hour": 12, "minute": 41}
